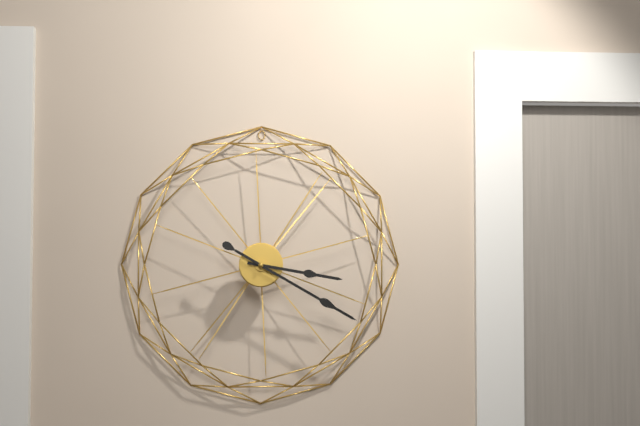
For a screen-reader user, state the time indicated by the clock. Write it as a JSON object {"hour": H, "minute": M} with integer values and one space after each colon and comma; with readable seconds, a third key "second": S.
{"hour": 3, "minute": 20}
